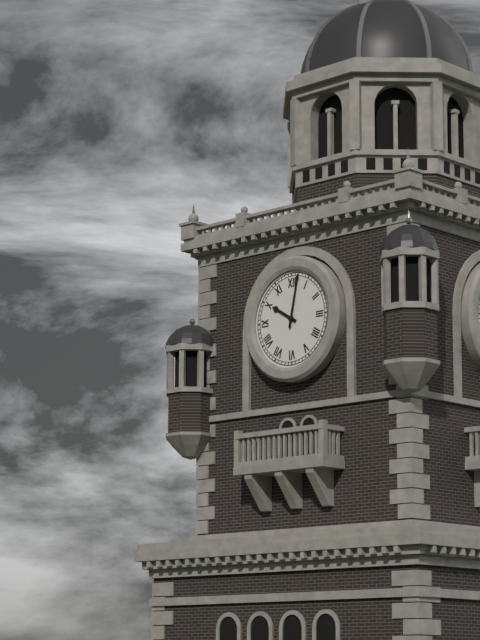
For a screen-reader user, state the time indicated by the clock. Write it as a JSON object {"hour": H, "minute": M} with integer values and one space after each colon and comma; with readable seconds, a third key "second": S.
{"hour": 10, "minute": 2}
